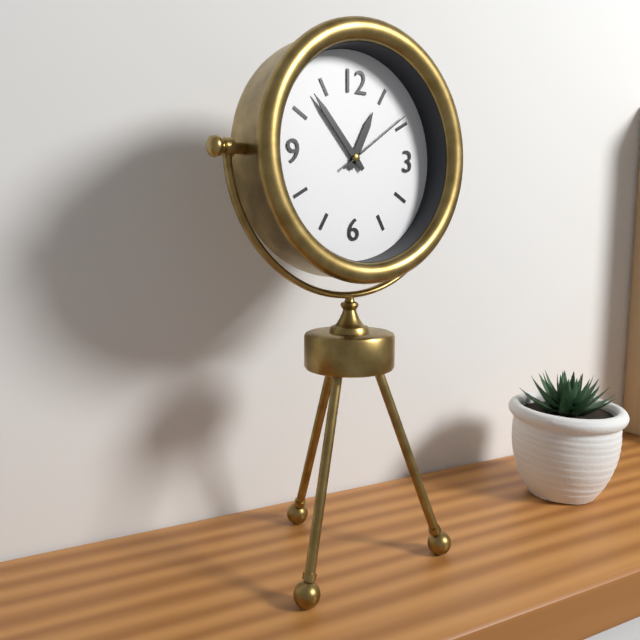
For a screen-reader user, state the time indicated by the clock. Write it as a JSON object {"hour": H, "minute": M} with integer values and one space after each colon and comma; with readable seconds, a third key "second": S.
{"hour": 12, "minute": 53, "second": 9}
